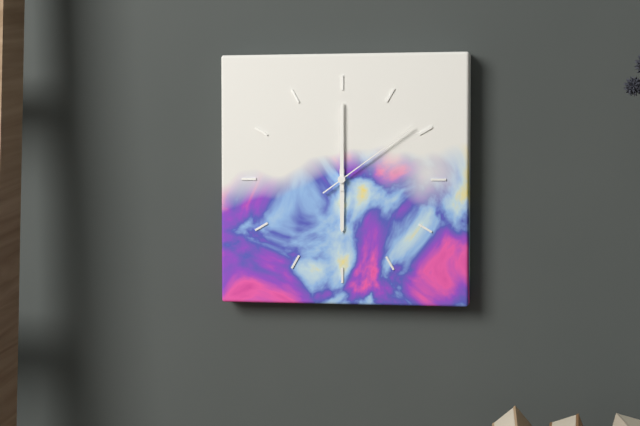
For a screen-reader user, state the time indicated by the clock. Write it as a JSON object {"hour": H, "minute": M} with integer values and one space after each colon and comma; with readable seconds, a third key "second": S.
{"hour": 6, "minute": 0, "second": 9}
